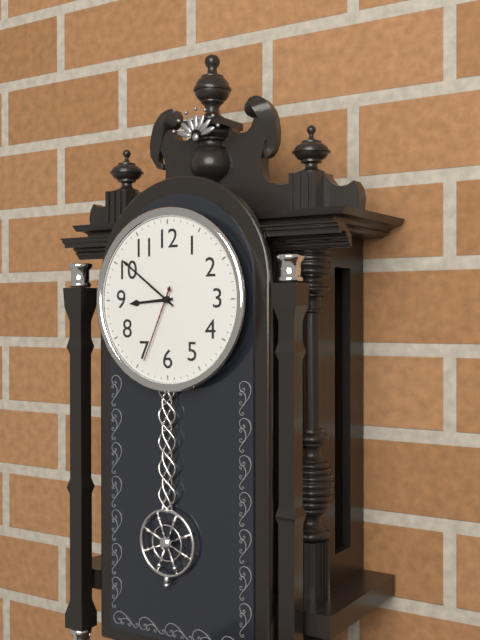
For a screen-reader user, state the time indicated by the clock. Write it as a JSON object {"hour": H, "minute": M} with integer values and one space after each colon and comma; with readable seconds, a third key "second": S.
{"hour": 8, "minute": 51, "second": 34}
